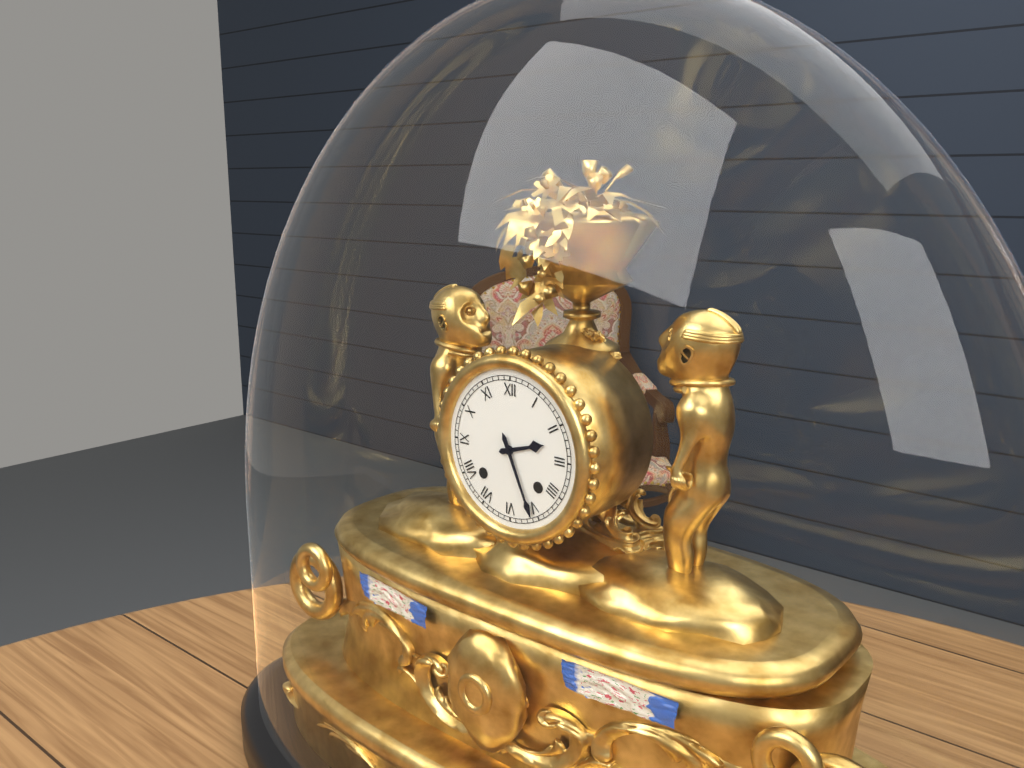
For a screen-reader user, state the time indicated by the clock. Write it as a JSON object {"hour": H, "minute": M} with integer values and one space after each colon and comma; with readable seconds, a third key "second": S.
{"hour": 2, "minute": 26}
